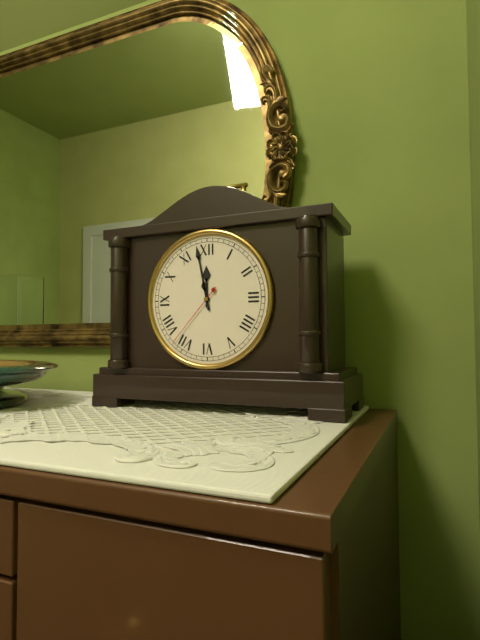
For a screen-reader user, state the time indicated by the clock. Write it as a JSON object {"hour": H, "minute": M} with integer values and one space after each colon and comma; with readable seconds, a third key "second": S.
{"hour": 11, "minute": 58, "second": 37}
